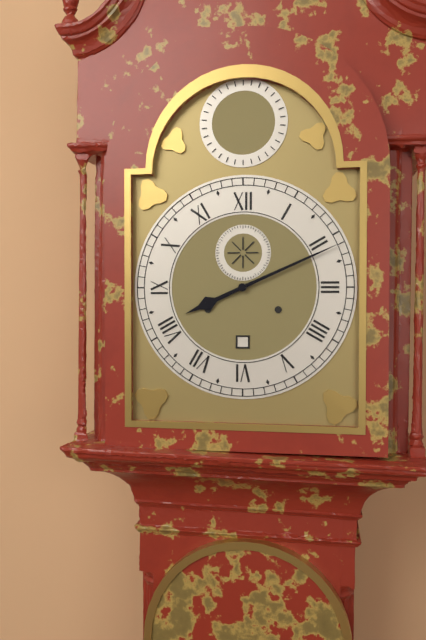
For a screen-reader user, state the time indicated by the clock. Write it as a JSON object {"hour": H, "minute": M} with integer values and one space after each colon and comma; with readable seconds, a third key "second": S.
{"hour": 8, "minute": 11}
